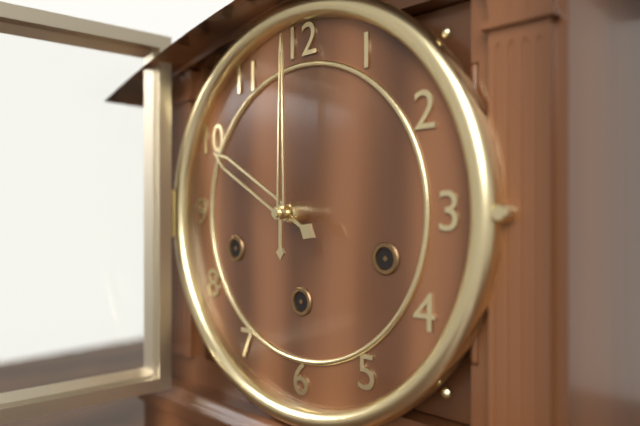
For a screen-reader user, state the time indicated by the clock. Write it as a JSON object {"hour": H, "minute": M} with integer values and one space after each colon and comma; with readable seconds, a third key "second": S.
{"hour": 10, "minute": 0}
